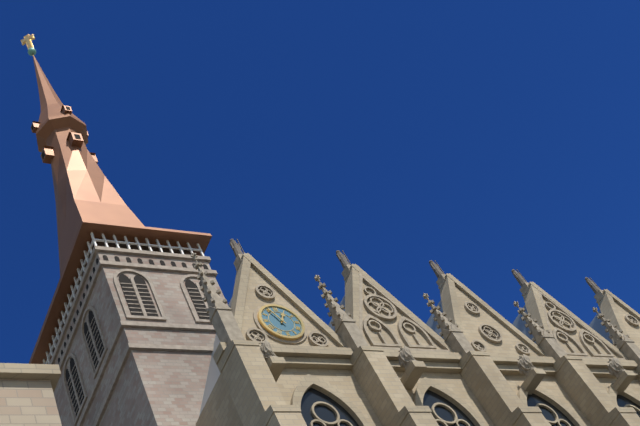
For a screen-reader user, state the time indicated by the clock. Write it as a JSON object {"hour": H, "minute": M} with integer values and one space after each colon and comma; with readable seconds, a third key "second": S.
{"hour": 12, "minute": 55}
